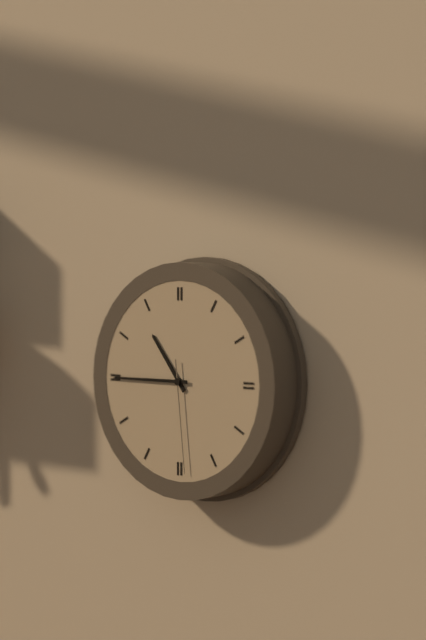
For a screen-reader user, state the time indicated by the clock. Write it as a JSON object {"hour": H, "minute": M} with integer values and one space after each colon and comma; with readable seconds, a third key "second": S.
{"hour": 10, "minute": 45, "second": 29}
